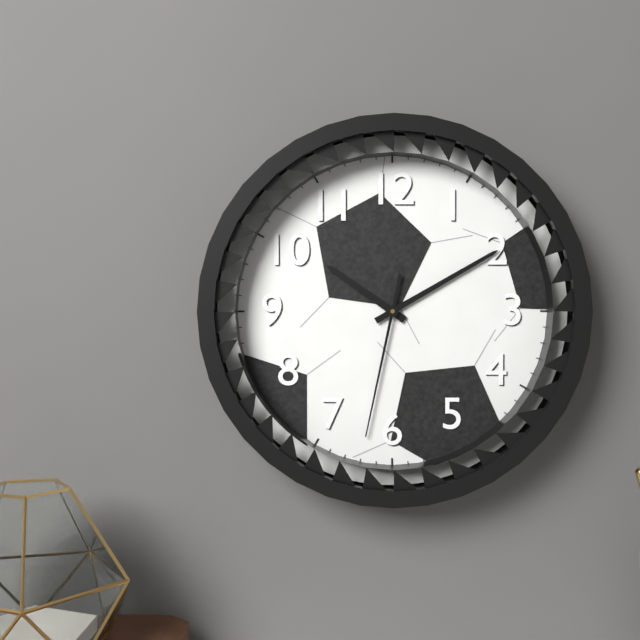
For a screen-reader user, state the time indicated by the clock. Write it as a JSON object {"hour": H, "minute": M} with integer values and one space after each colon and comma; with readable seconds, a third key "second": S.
{"hour": 10, "minute": 10, "second": 32}
